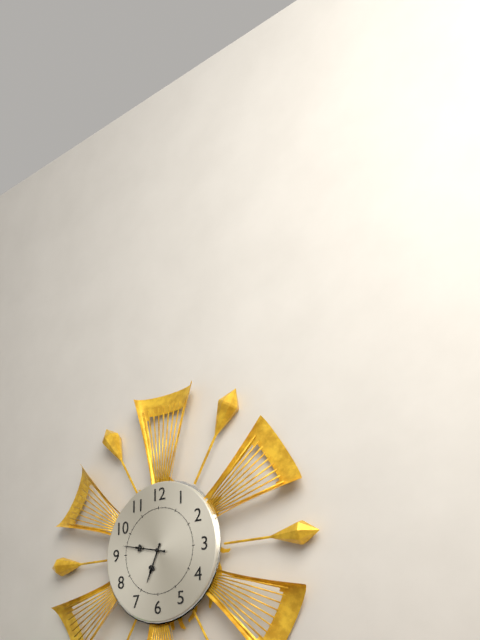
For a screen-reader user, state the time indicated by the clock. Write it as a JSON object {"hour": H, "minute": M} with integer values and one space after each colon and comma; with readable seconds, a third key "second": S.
{"hour": 6, "minute": 47}
